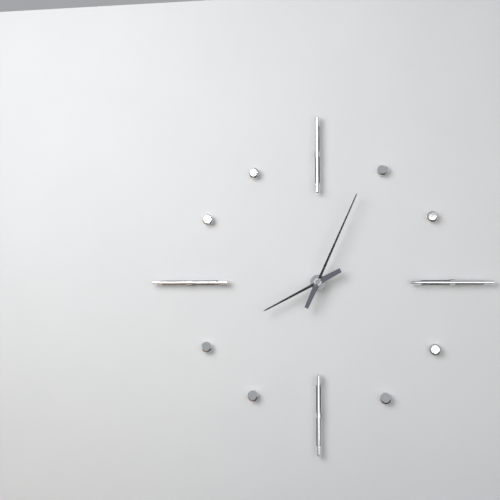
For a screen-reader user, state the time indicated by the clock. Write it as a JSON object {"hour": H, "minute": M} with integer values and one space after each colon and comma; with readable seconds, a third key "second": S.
{"hour": 8, "minute": 4}
